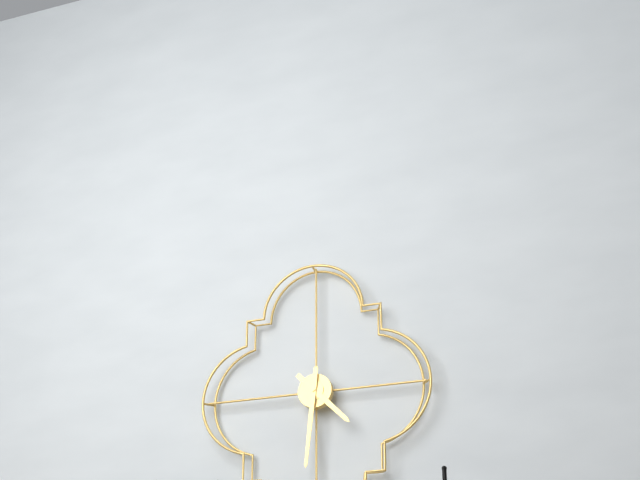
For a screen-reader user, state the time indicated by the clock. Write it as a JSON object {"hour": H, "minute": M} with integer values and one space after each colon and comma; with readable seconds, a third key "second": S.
{"hour": 4, "minute": 31}
